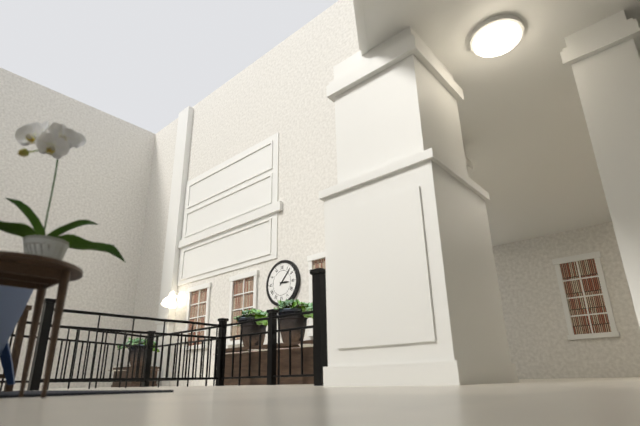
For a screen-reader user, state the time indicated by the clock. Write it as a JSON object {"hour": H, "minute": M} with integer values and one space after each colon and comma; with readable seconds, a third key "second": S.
{"hour": 3, "minute": 7}
